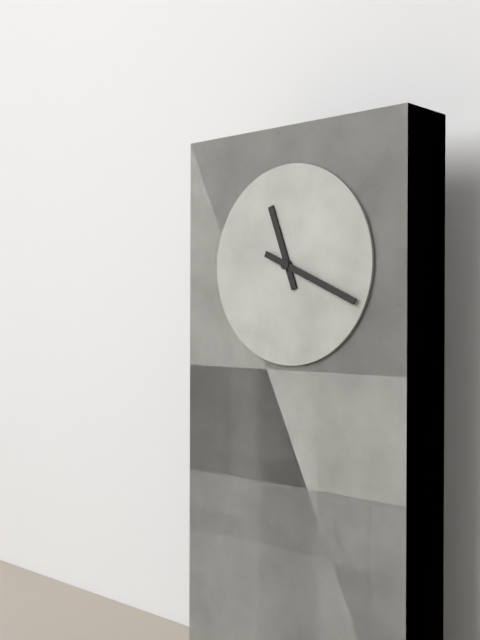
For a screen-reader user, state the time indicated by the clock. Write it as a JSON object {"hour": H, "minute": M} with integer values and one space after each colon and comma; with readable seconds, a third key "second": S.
{"hour": 11, "minute": 19}
